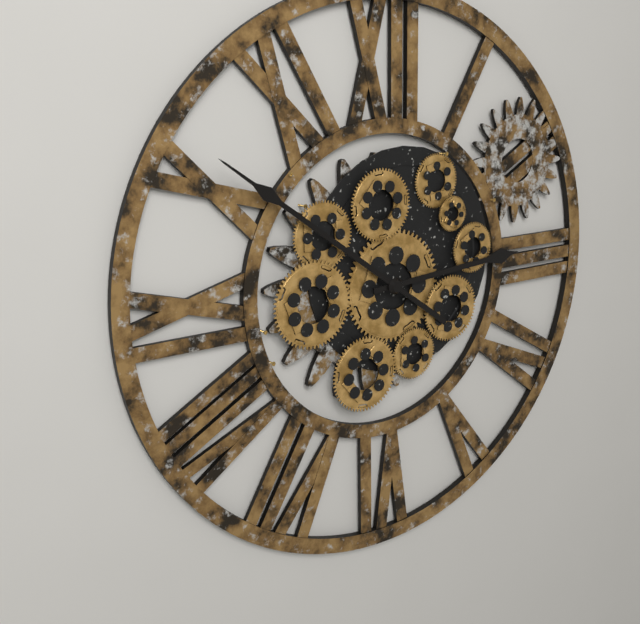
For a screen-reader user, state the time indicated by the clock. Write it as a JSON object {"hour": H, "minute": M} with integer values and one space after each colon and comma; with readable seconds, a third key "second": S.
{"hour": 2, "minute": 51}
